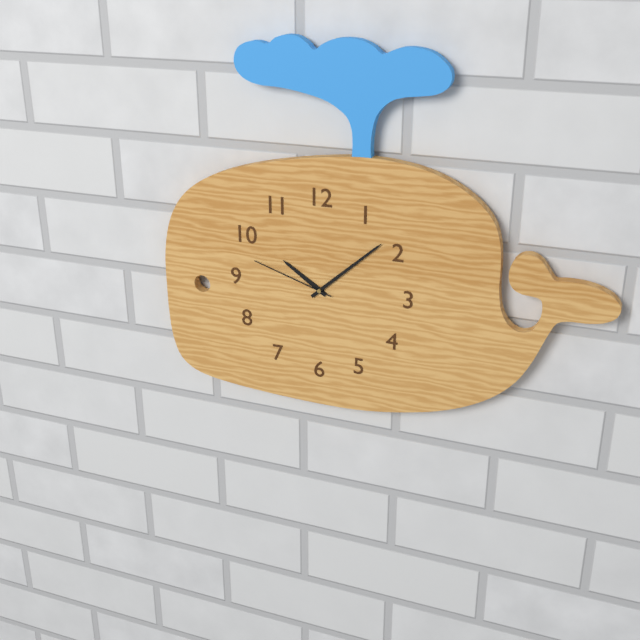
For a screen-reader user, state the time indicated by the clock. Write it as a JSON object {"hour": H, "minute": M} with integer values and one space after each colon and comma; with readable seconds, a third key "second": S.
{"hour": 10, "minute": 8, "second": 48}
